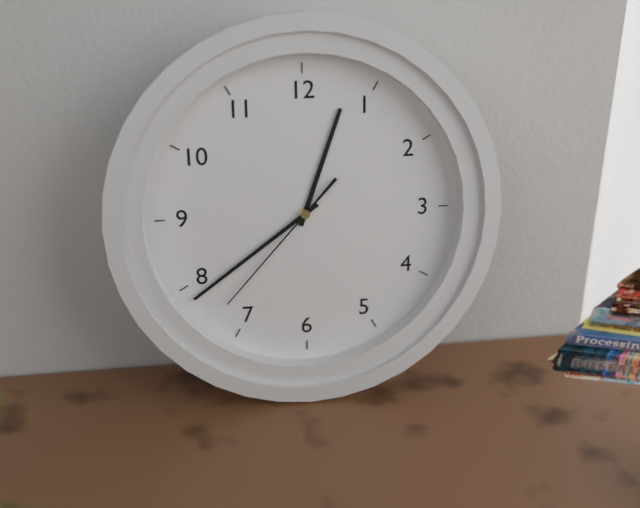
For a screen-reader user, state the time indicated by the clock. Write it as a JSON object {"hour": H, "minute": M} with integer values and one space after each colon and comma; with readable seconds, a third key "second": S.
{"hour": 12, "minute": 39, "second": 37}
